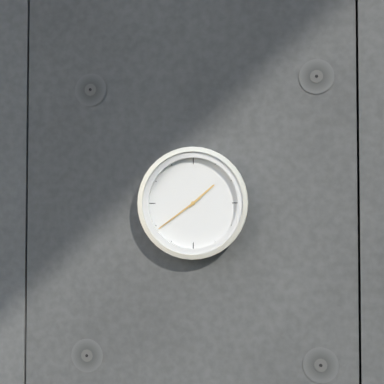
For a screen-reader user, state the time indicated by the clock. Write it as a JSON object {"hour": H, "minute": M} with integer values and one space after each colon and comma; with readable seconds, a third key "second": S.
{"hour": 1, "minute": 39}
